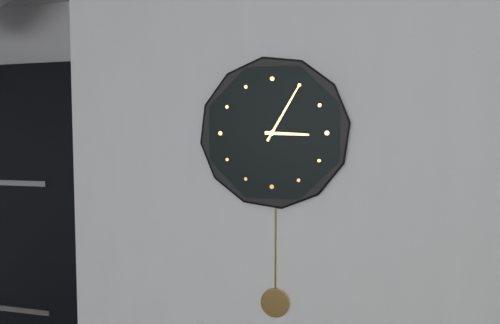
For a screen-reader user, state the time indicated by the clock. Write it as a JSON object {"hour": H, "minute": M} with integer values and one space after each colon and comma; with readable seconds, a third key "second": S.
{"hour": 3, "minute": 5}
